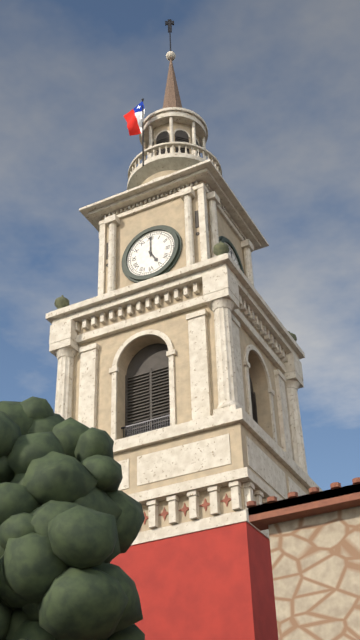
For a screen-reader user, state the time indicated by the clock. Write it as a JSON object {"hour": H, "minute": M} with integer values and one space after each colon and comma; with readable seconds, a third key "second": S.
{"hour": 5, "minute": 0}
